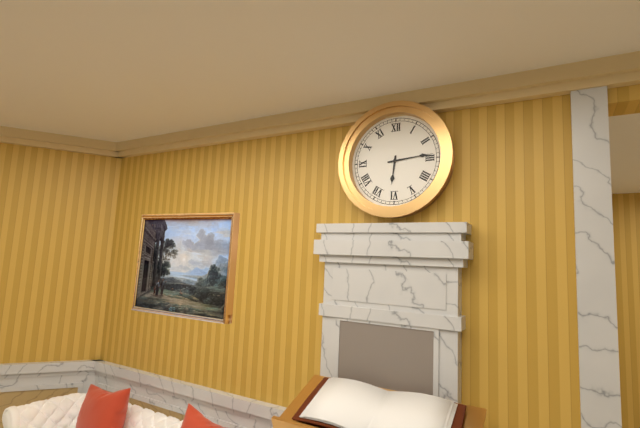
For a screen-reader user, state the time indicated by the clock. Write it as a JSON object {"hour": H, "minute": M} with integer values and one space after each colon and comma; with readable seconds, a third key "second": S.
{"hour": 6, "minute": 14}
